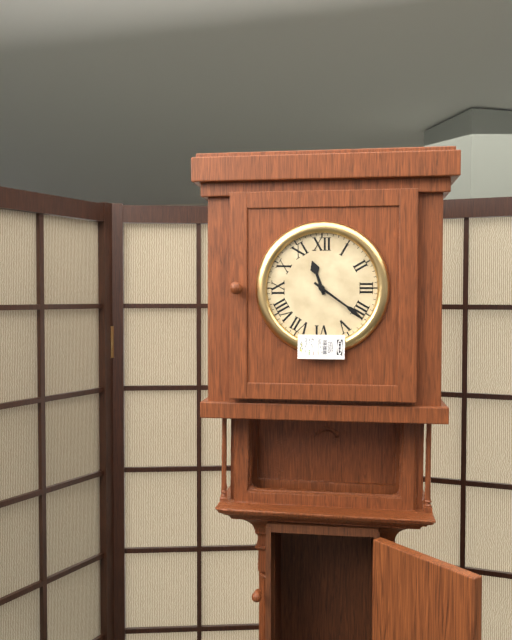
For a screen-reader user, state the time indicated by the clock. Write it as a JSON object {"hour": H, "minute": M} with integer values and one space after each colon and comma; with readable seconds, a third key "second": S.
{"hour": 11, "minute": 21}
